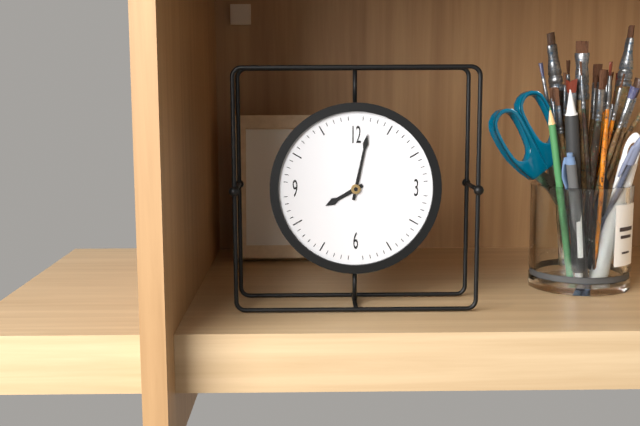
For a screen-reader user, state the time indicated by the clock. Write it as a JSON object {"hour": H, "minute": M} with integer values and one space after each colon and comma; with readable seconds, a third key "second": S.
{"hour": 8, "minute": 2}
